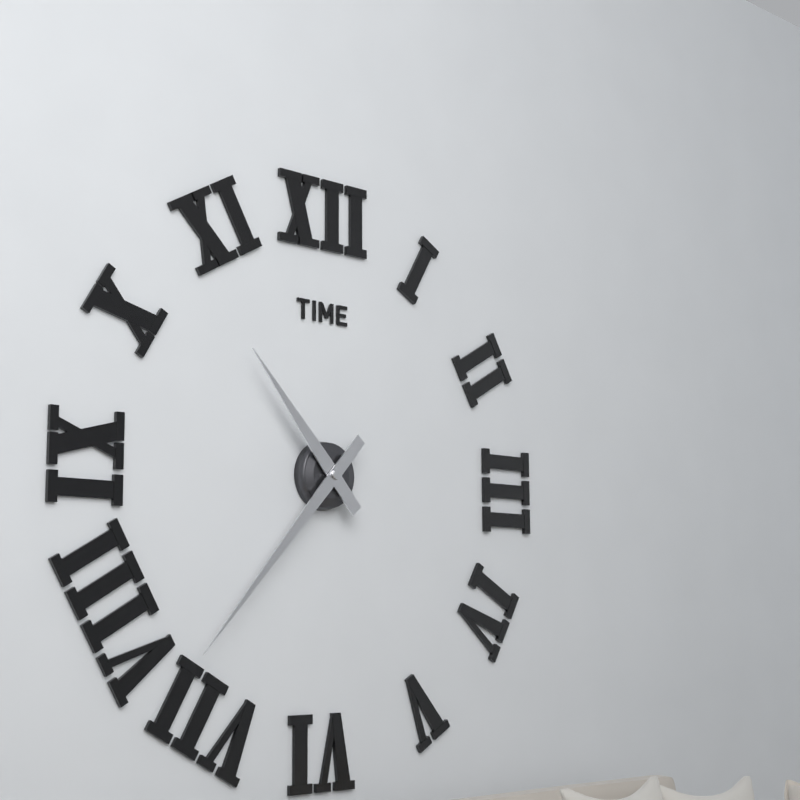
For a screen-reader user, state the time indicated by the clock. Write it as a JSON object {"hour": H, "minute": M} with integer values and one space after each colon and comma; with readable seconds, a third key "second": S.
{"hour": 10, "minute": 37}
